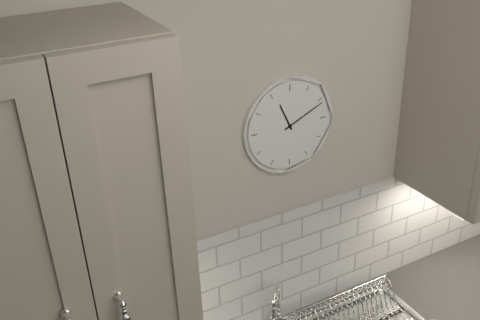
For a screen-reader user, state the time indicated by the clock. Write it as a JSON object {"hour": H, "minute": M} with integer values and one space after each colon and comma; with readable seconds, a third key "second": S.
{"hour": 11, "minute": 11}
